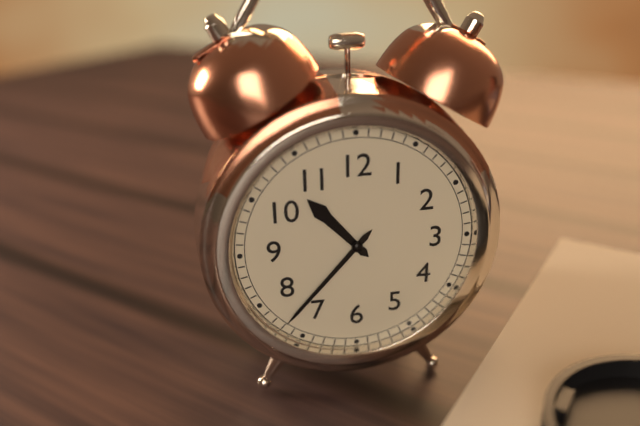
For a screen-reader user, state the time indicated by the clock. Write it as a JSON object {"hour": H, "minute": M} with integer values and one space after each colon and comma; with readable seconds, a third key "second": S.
{"hour": 10, "minute": 37}
